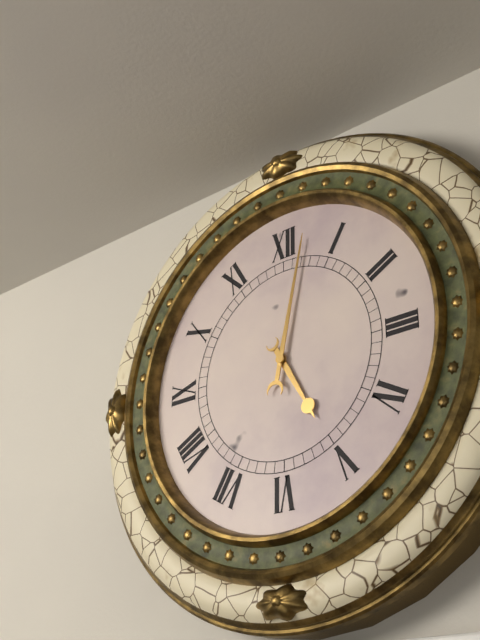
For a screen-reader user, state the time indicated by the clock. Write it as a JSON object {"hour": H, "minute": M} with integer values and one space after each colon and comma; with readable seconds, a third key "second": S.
{"hour": 5, "minute": 2}
